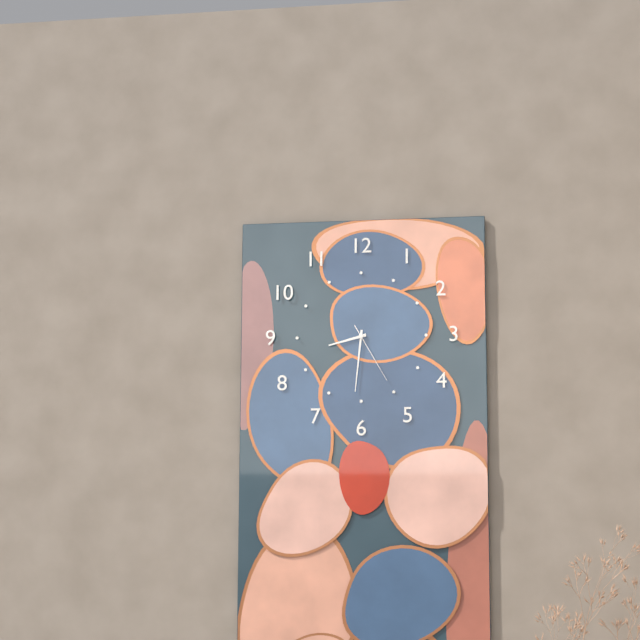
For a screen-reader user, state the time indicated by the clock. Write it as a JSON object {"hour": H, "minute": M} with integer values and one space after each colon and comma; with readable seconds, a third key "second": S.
{"hour": 8, "minute": 31, "second": 25}
